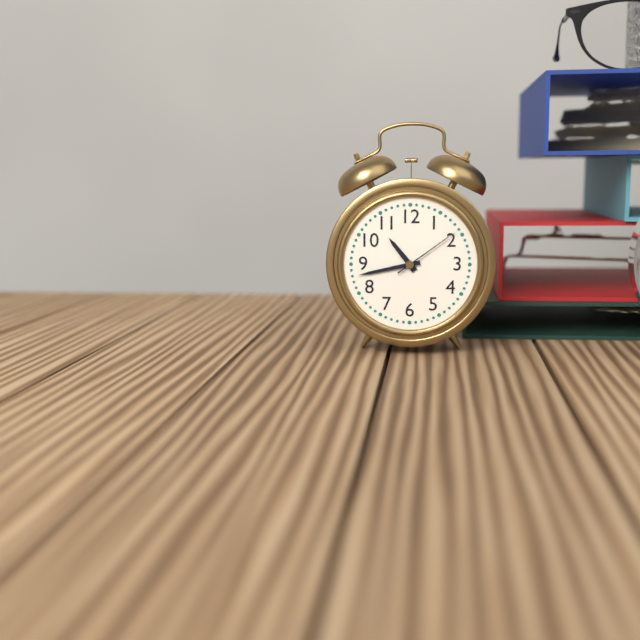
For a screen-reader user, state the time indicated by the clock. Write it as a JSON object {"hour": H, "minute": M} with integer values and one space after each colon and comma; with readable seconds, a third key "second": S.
{"hour": 10, "minute": 43, "second": 9}
